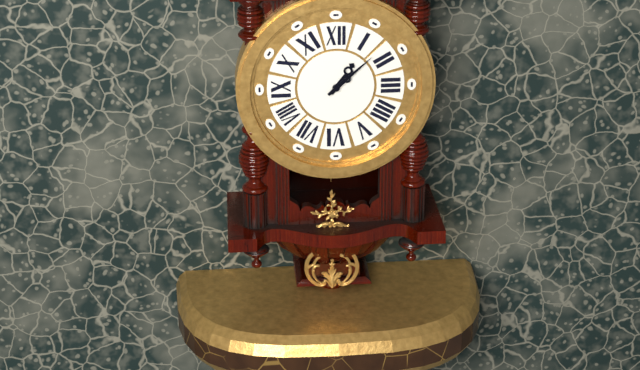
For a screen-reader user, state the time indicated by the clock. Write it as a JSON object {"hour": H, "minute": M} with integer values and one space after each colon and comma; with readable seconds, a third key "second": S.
{"hour": 1, "minute": 8}
